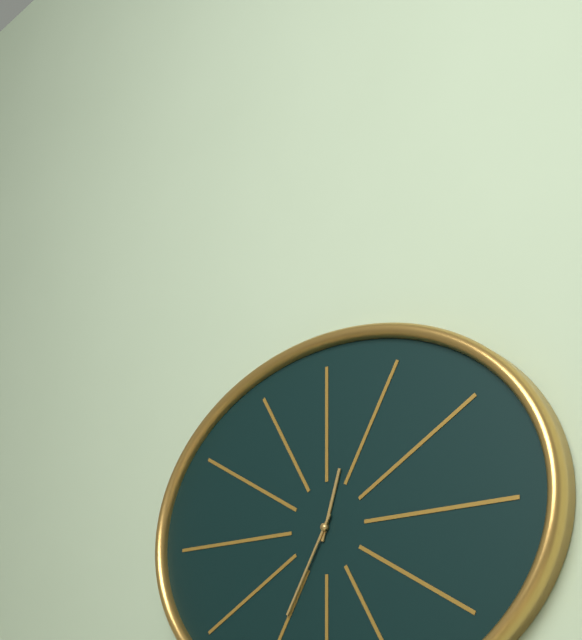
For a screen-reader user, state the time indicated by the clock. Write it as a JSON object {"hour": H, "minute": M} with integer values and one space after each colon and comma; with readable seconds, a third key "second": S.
{"hour": 12, "minute": 35}
